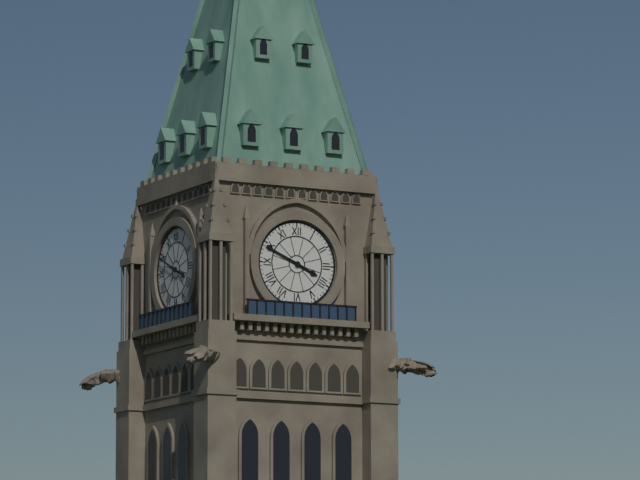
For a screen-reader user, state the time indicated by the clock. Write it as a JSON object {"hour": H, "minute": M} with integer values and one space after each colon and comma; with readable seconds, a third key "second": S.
{"hour": 3, "minute": 49}
